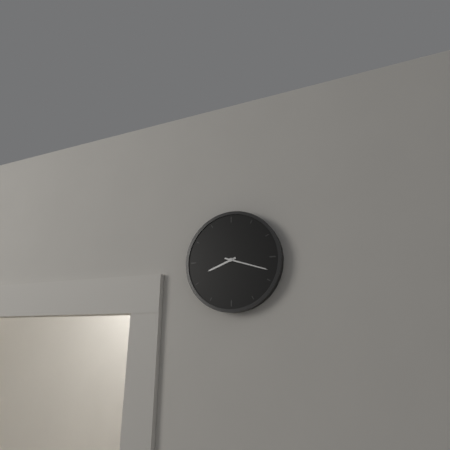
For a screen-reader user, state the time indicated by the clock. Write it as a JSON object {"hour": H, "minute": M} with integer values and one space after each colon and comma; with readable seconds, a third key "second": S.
{"hour": 8, "minute": 18}
